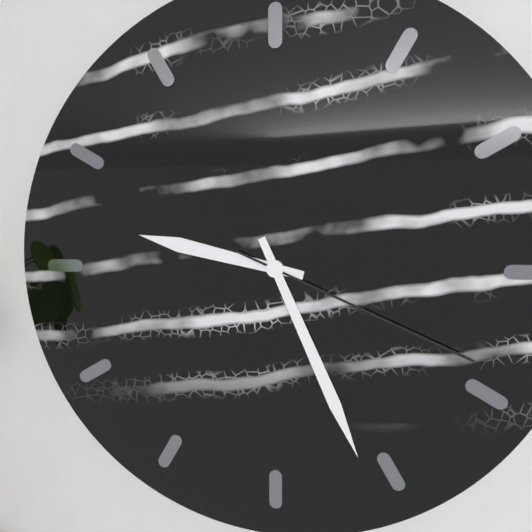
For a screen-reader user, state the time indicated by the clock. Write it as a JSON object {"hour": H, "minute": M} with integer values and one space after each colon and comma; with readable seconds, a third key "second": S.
{"hour": 9, "minute": 26, "second": 19}
